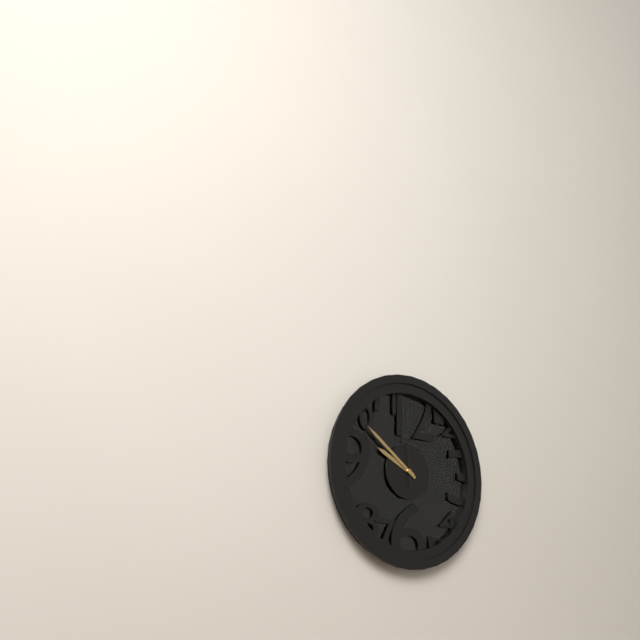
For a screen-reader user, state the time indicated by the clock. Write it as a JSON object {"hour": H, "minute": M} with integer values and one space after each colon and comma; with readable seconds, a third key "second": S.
{"hour": 9, "minute": 51, "second": 59}
